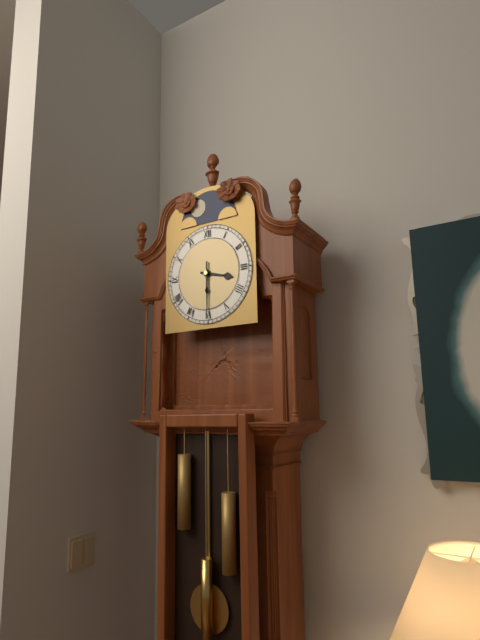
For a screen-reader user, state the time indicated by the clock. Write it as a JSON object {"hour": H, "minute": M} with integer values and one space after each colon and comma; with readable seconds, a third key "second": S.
{"hour": 3, "minute": 30}
